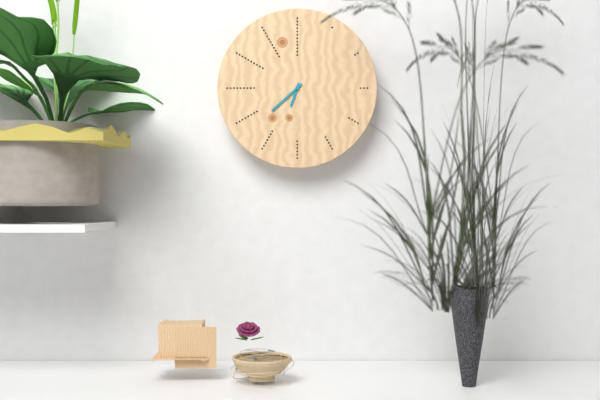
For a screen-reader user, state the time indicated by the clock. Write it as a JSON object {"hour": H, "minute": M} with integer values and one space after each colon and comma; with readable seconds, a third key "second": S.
{"hour": 6, "minute": 38}
